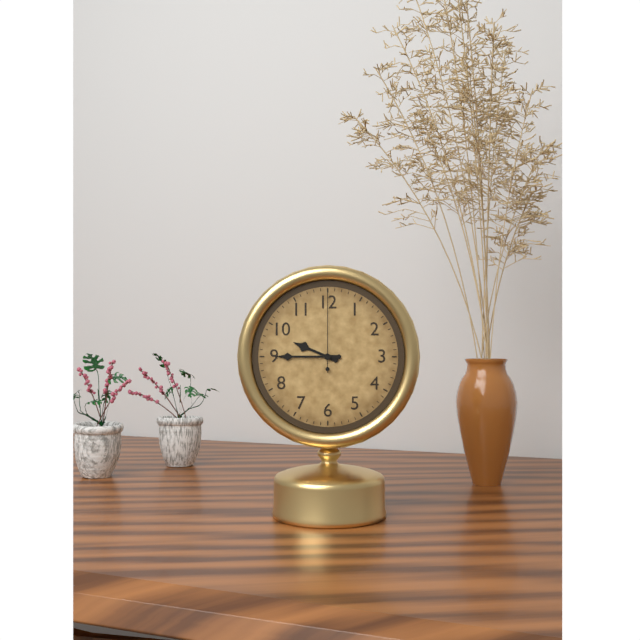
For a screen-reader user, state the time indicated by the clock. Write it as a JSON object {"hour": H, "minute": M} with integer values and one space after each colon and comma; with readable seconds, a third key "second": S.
{"hour": 9, "minute": 45, "second": 0}
